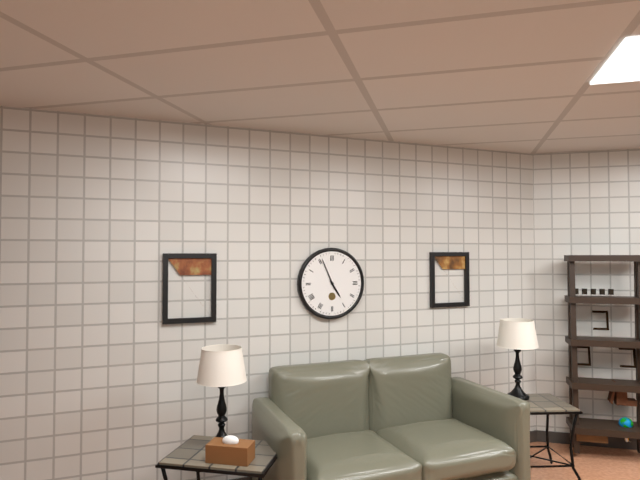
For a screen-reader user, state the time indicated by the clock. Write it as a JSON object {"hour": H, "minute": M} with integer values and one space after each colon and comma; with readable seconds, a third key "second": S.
{"hour": 4, "minute": 56}
